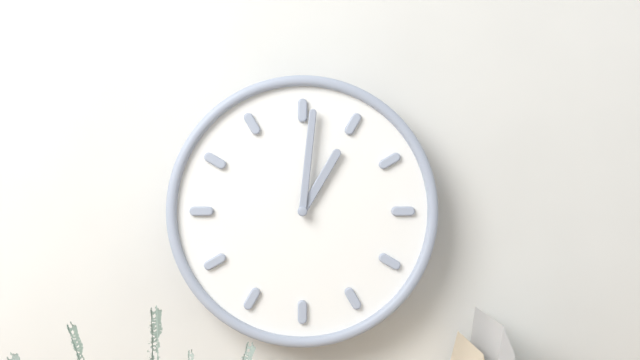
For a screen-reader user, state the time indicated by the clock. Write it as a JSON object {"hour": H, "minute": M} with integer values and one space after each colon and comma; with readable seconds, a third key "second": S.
{"hour": 1, "minute": 1}
